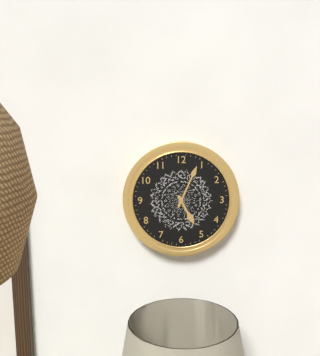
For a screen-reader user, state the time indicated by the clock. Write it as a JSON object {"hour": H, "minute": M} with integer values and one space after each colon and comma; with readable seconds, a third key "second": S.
{"hour": 5, "minute": 4}
